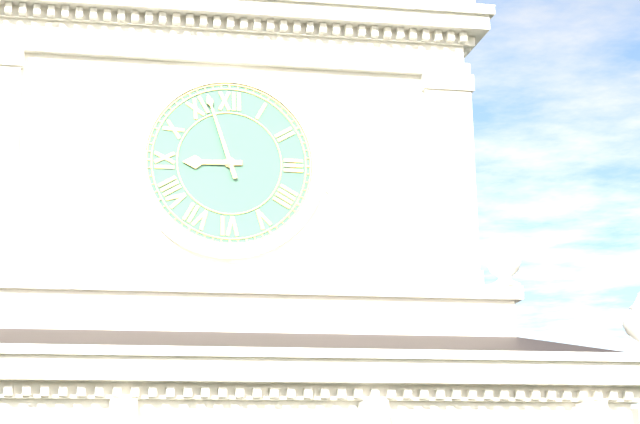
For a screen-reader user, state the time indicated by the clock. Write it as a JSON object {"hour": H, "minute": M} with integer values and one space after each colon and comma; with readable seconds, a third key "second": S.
{"hour": 8, "minute": 57}
